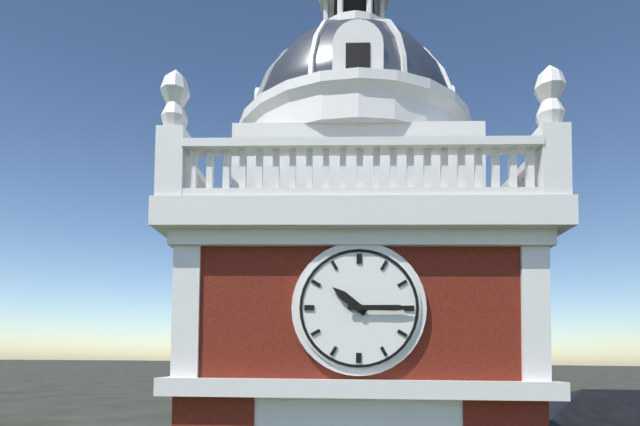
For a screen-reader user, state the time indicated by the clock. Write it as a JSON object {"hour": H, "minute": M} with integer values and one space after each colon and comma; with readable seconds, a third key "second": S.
{"hour": 10, "minute": 15}
